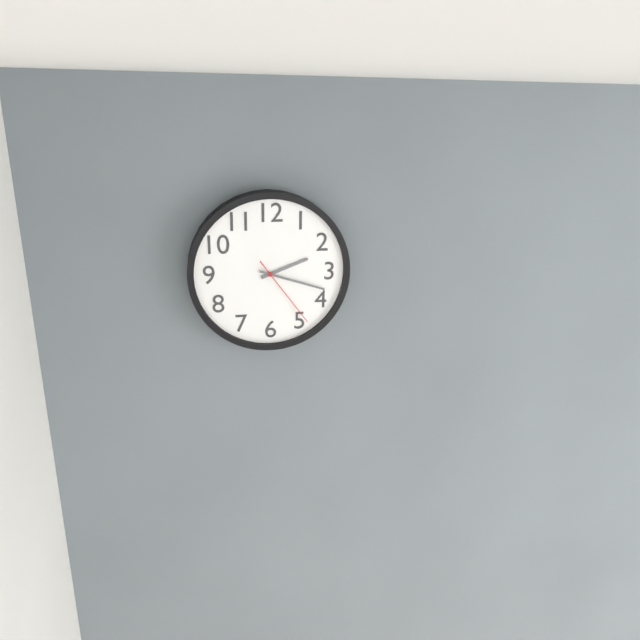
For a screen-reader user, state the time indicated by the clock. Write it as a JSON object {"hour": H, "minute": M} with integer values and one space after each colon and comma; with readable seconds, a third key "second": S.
{"hour": 2, "minute": 18, "second": 24}
